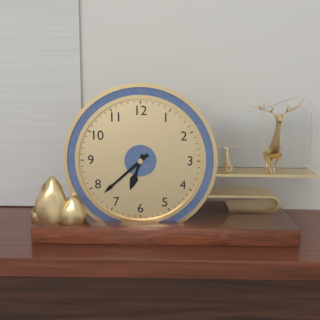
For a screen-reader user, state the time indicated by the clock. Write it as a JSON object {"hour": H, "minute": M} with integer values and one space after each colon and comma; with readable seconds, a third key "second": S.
{"hour": 6, "minute": 38}
